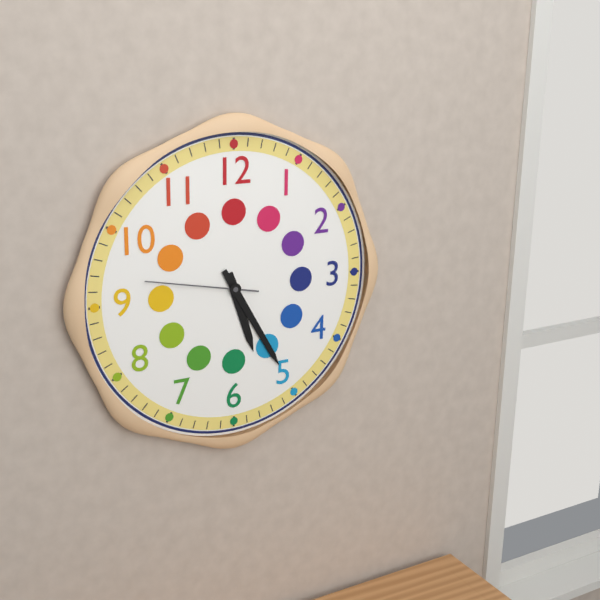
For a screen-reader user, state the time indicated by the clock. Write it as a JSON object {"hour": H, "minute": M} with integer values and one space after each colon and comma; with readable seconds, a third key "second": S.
{"hour": 5, "minute": 25, "second": 47}
